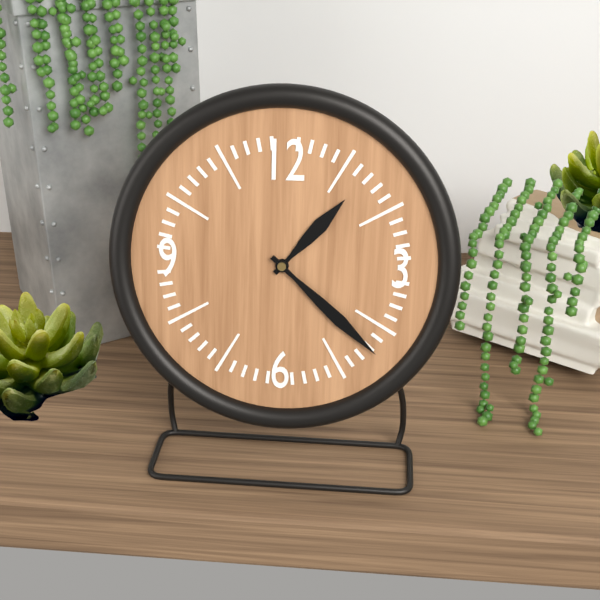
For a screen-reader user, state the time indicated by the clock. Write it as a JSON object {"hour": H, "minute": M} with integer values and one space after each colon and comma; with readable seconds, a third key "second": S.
{"hour": 1, "minute": 22}
